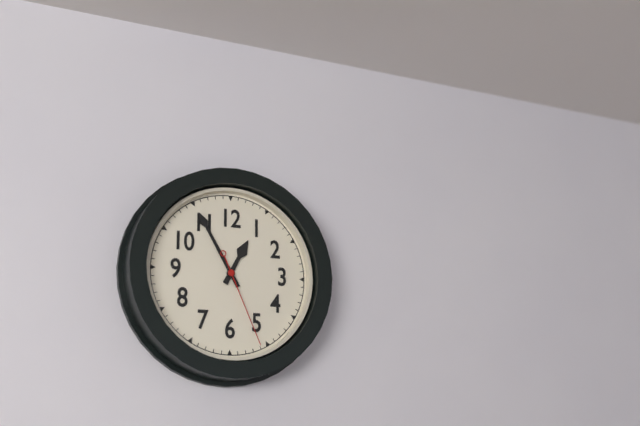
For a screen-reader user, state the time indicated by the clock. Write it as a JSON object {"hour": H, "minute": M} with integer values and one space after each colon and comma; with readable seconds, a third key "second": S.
{"hour": 12, "minute": 55, "second": 26}
